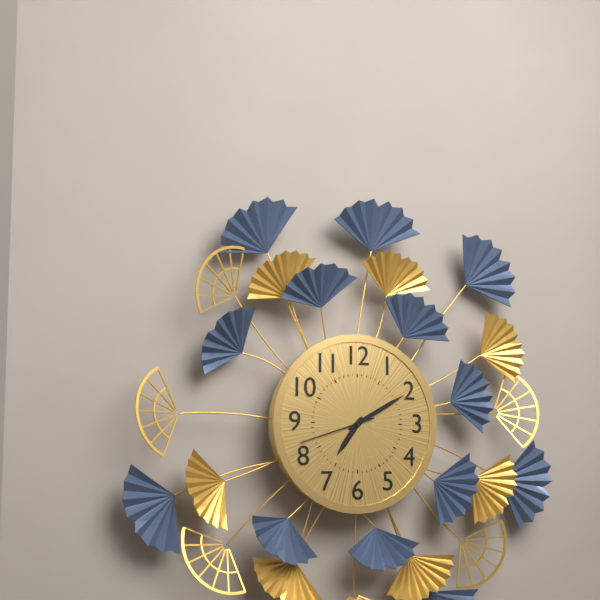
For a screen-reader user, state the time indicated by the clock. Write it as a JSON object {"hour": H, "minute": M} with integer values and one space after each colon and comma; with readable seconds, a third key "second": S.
{"hour": 7, "minute": 10, "second": 42}
